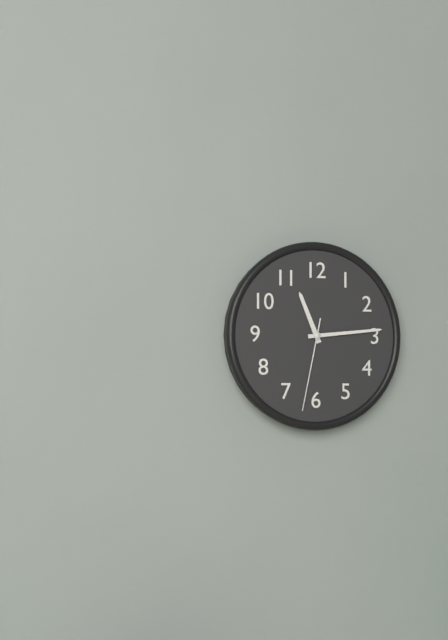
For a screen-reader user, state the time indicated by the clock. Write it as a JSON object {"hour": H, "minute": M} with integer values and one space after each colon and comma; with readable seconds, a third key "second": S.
{"hour": 11, "minute": 14, "second": 32}
